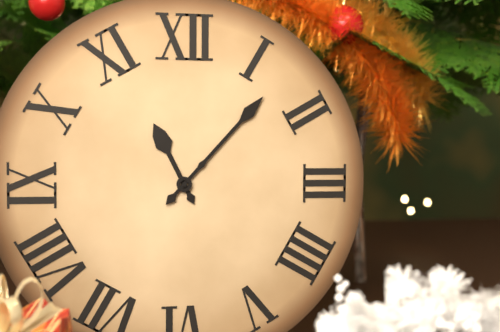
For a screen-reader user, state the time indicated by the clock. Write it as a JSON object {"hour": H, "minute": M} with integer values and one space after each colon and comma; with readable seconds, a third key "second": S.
{"hour": 11, "minute": 7}
